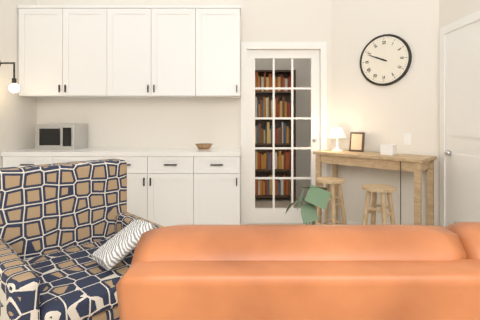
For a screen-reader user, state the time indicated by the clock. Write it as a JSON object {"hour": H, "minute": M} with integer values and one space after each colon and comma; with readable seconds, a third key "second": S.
{"hour": 9, "minute": 49}
